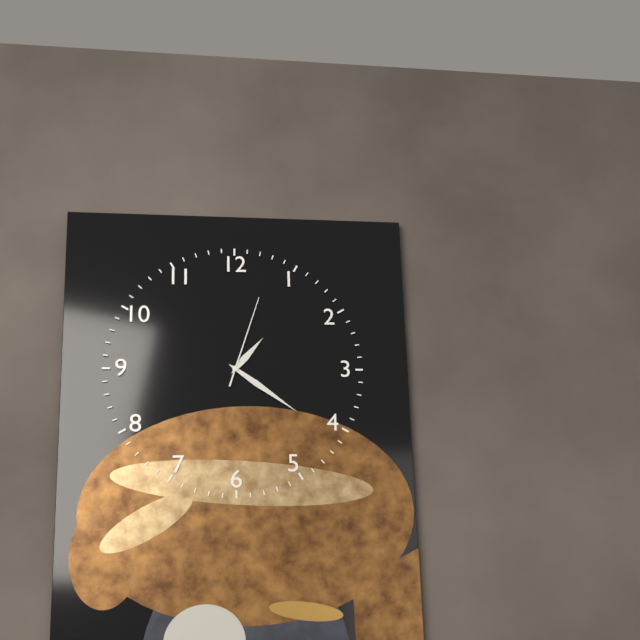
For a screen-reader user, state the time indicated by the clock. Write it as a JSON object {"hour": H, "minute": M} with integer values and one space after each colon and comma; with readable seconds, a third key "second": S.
{"hour": 1, "minute": 21, "second": 3}
